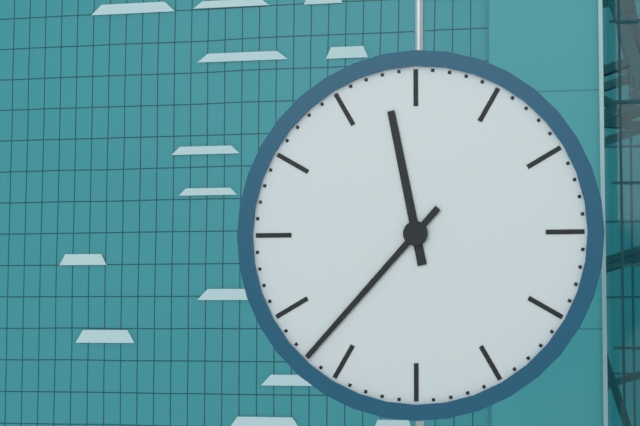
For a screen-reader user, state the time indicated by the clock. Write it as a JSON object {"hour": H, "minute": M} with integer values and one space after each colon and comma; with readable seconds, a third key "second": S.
{"hour": 11, "minute": 37}
